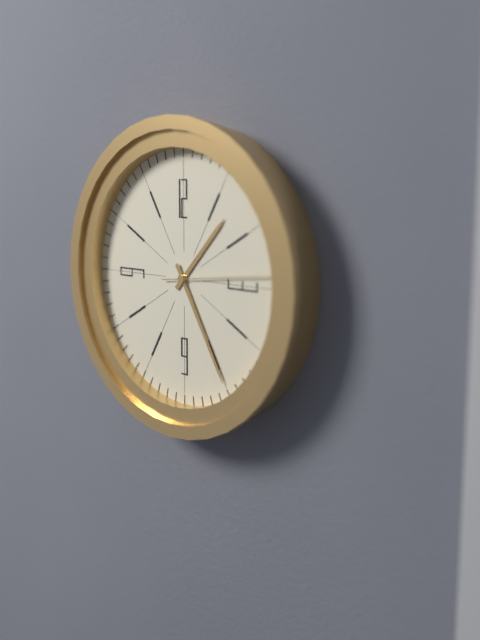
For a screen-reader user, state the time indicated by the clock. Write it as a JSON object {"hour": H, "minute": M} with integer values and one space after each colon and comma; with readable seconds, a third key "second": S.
{"hour": 1, "minute": 25, "second": 14}
